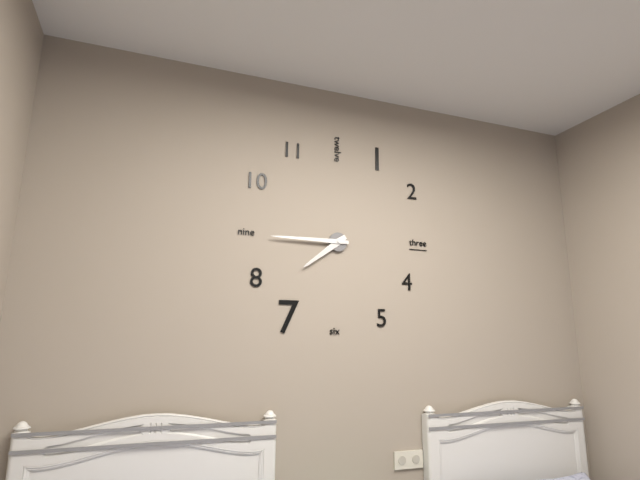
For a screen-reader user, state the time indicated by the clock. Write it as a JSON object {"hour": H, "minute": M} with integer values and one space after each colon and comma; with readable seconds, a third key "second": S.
{"hour": 7, "minute": 45}
